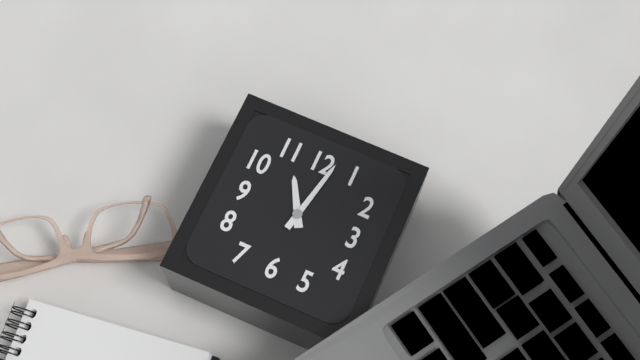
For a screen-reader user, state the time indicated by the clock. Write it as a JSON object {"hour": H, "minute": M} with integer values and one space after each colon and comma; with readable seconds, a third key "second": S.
{"hour": 11, "minute": 2}
